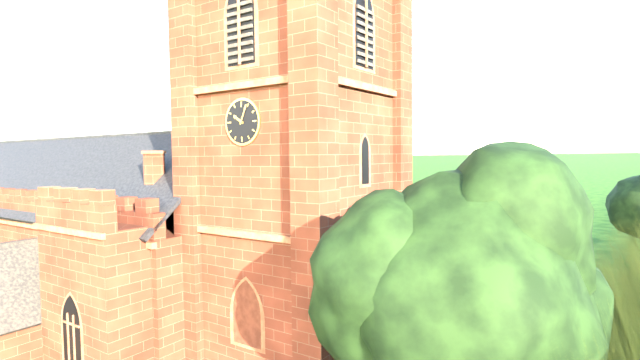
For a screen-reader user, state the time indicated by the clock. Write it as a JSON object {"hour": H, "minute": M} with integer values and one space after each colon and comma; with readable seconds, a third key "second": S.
{"hour": 10, "minute": 4}
